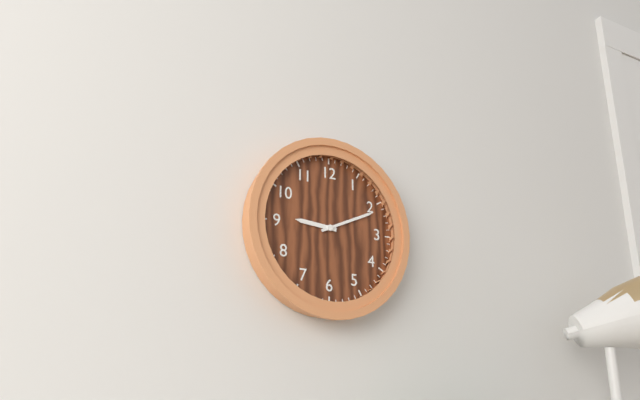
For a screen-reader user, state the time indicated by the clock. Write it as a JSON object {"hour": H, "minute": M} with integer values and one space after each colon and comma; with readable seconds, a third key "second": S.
{"hour": 9, "minute": 11}
